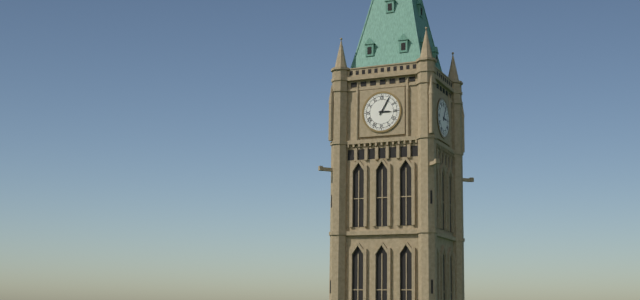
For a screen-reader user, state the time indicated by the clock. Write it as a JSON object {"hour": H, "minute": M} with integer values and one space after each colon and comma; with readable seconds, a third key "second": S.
{"hour": 3, "minute": 5}
